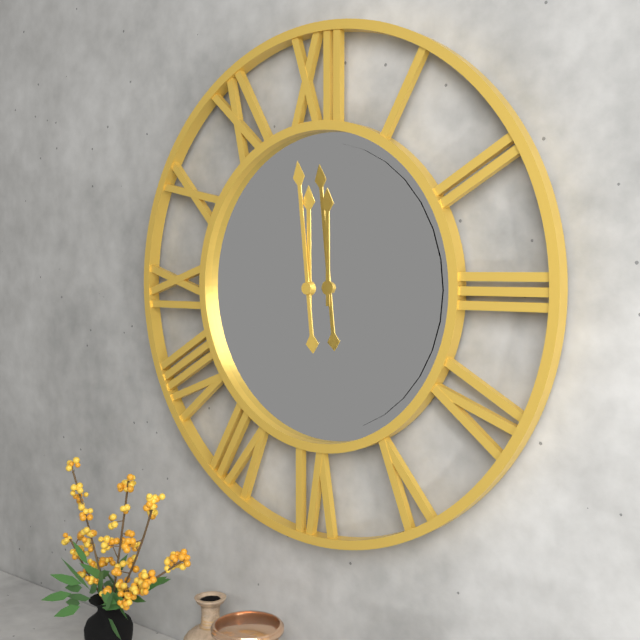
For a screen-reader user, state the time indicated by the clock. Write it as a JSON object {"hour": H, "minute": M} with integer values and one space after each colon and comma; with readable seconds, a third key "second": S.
{"hour": 11, "minute": 59}
